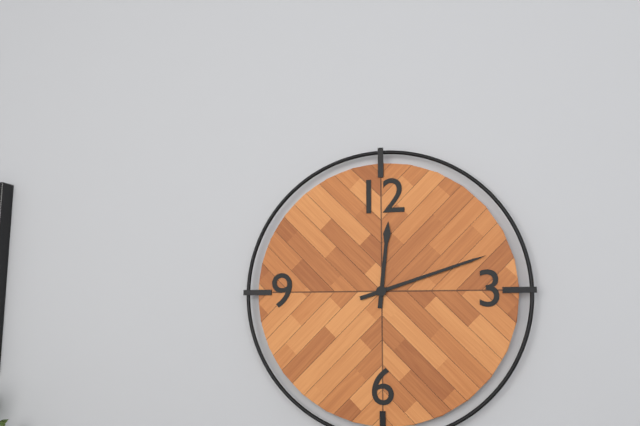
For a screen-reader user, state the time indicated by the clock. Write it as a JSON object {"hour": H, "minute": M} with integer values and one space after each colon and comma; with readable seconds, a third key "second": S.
{"hour": 12, "minute": 12}
